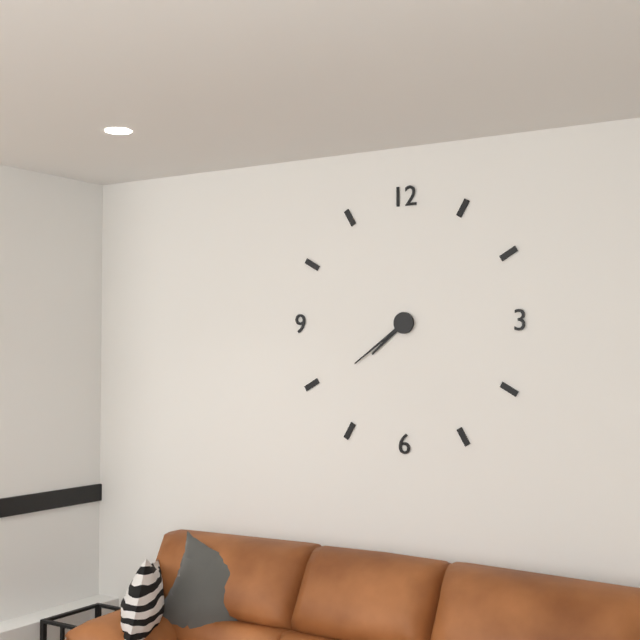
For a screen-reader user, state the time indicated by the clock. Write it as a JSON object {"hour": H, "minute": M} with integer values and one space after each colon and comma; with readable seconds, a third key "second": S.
{"hour": 7, "minute": 39}
